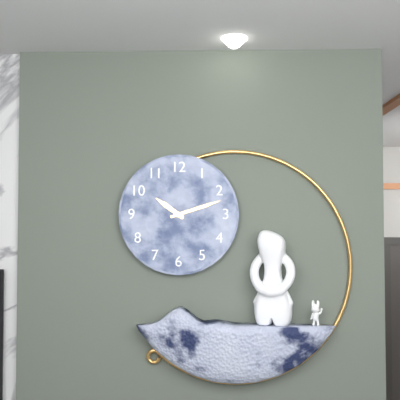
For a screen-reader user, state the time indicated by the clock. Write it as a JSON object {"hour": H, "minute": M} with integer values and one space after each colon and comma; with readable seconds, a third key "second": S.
{"hour": 10, "minute": 12}
